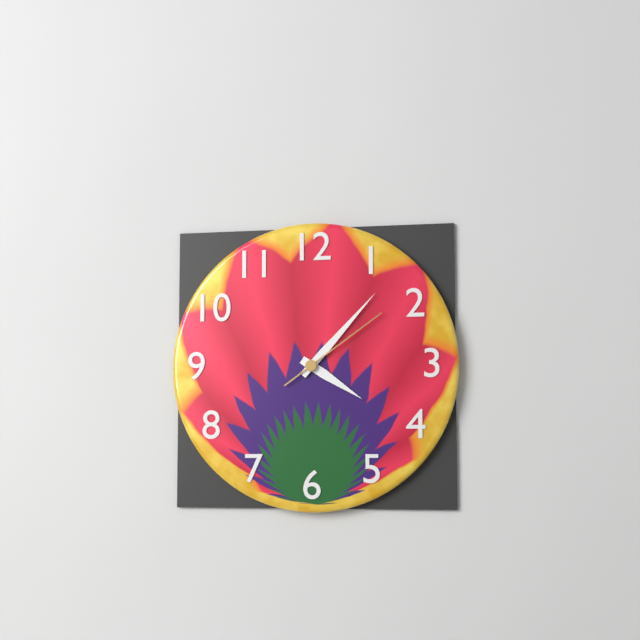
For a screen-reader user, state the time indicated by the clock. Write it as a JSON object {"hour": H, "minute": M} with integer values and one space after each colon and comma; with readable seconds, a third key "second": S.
{"hour": 4, "minute": 7, "second": 9}
